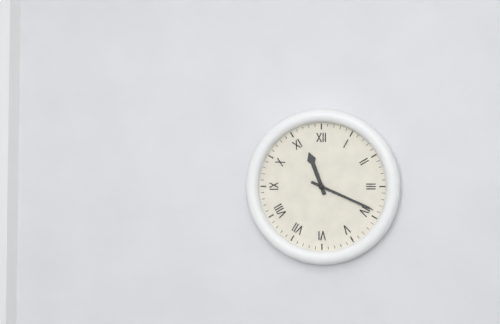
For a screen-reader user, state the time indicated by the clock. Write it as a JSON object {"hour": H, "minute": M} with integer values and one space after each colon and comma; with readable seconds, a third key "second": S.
{"hour": 11, "minute": 19}
